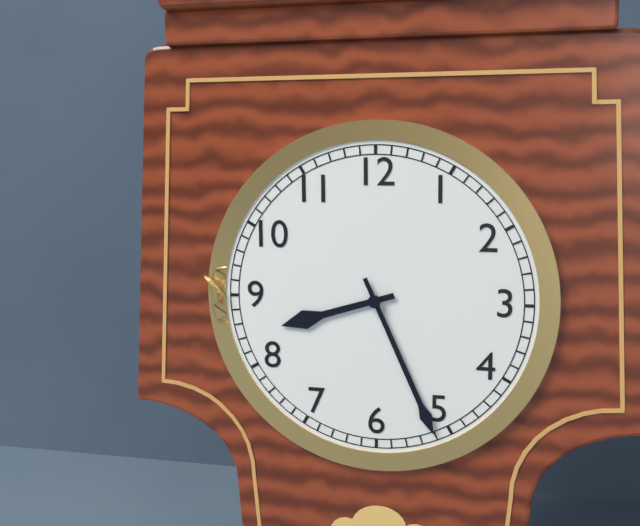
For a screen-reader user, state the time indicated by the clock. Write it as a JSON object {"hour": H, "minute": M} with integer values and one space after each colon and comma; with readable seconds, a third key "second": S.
{"hour": 8, "minute": 26}
